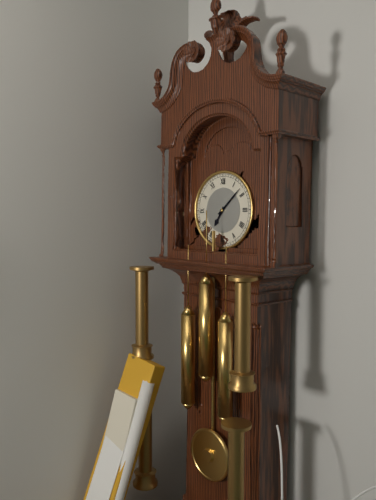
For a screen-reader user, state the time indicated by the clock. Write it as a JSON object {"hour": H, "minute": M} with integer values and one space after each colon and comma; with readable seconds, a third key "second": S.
{"hour": 7, "minute": 8}
